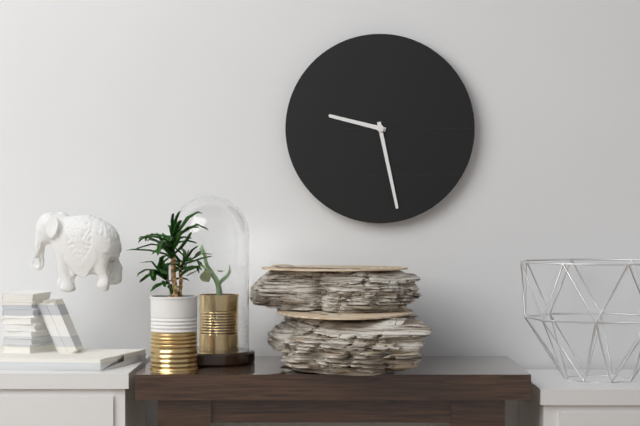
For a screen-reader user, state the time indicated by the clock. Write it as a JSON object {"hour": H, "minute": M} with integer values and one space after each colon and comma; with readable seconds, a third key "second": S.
{"hour": 9, "minute": 28}
